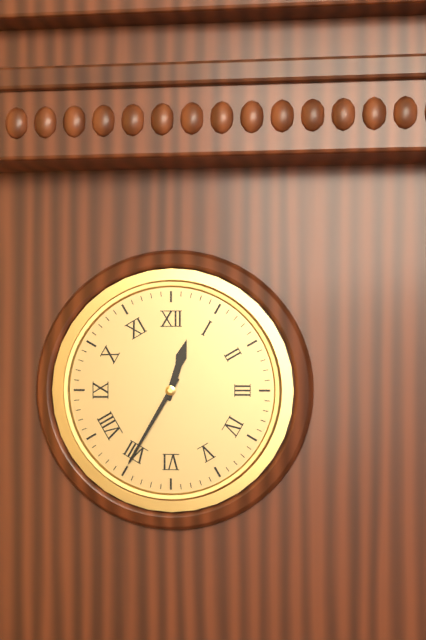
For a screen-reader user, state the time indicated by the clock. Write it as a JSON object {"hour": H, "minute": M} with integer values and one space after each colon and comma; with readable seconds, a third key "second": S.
{"hour": 12, "minute": 35}
